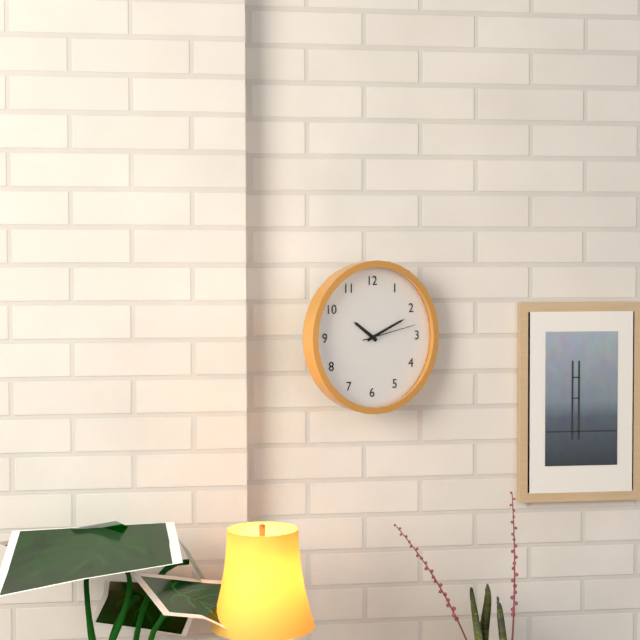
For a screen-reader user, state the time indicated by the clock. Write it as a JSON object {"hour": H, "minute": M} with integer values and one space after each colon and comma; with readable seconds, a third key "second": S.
{"hour": 10, "minute": 11, "second": 13}
